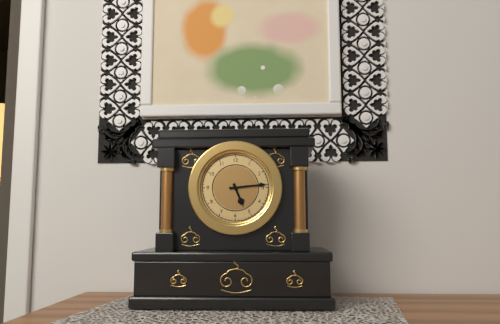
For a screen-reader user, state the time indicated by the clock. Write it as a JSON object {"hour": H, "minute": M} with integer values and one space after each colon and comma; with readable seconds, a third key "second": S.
{"hour": 5, "minute": 14}
